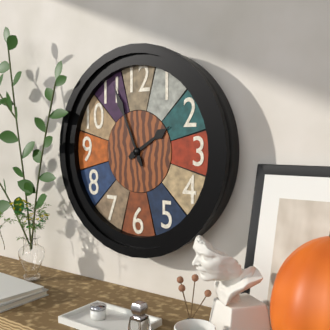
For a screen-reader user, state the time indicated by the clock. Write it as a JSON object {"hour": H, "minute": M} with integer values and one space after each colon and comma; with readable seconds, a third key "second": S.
{"hour": 1, "minute": 56}
